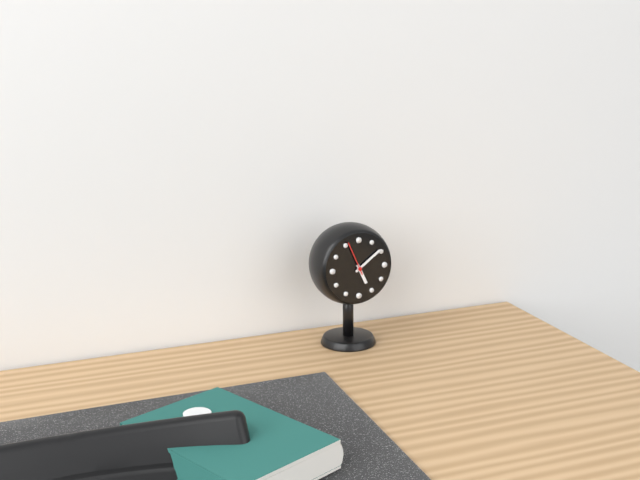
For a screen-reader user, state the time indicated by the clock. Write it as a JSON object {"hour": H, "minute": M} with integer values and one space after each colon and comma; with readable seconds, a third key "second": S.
{"hour": 5, "minute": 9}
